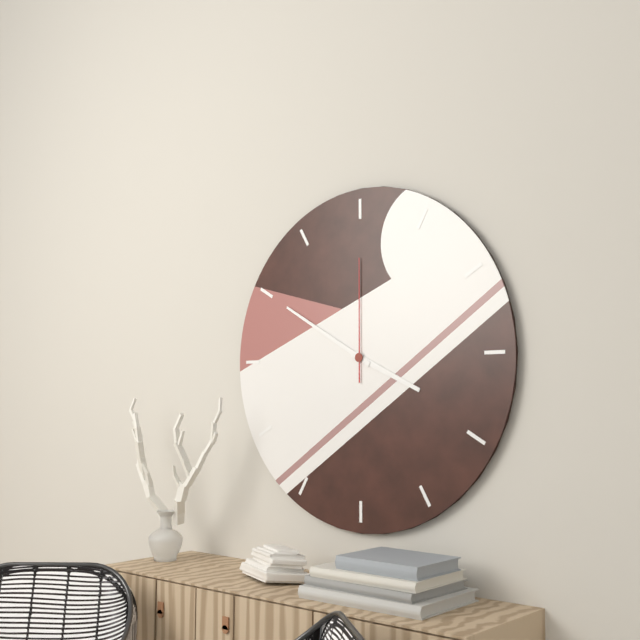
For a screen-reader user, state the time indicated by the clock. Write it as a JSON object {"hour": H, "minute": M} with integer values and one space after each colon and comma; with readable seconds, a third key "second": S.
{"hour": 3, "minute": 50, "second": 0}
